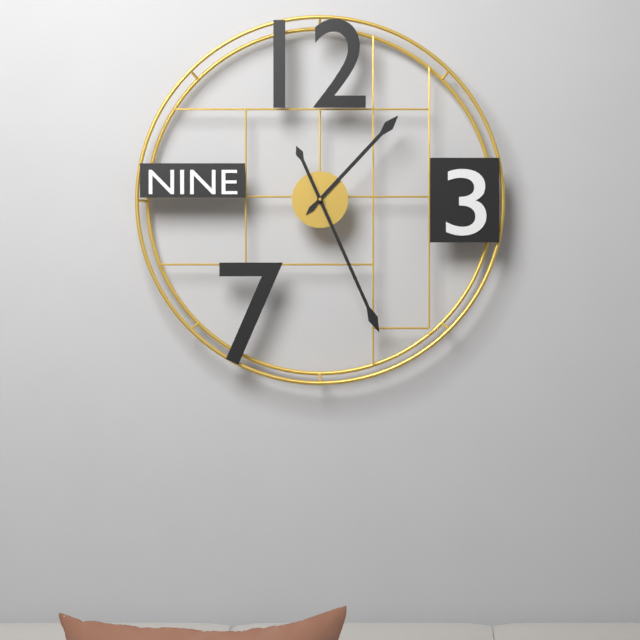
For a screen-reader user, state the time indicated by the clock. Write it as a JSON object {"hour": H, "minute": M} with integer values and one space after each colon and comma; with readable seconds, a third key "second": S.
{"hour": 1, "minute": 26}
